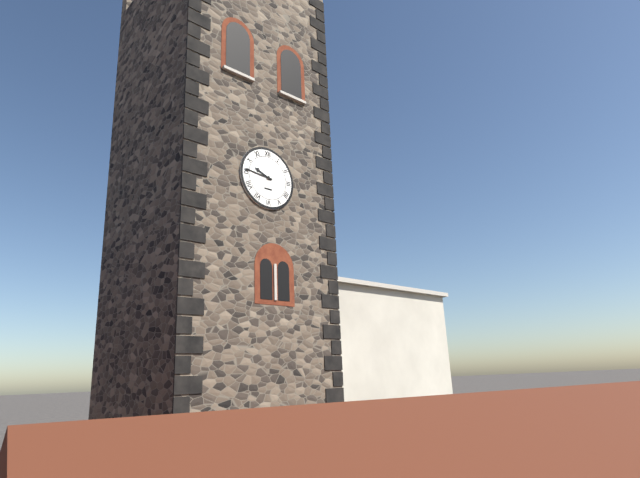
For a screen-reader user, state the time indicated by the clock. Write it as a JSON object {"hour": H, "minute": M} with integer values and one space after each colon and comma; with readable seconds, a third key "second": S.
{"hour": 9, "minute": 46}
